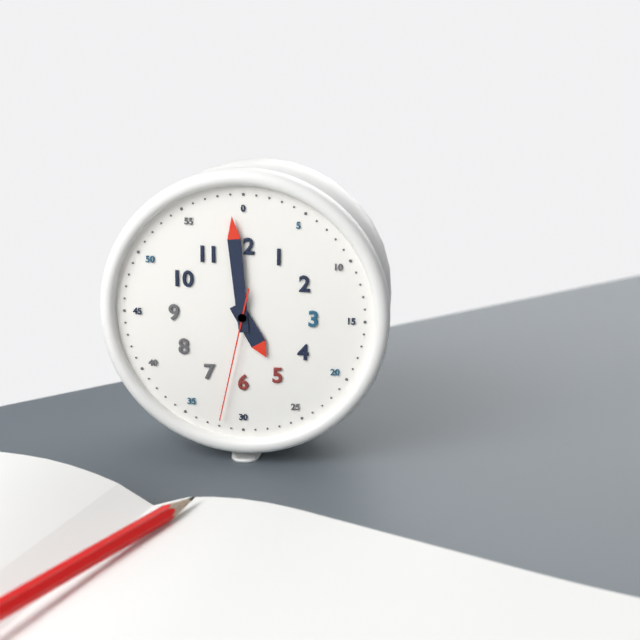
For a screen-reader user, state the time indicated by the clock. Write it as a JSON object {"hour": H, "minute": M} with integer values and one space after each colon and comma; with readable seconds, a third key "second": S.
{"hour": 4, "minute": 59, "second": 32}
